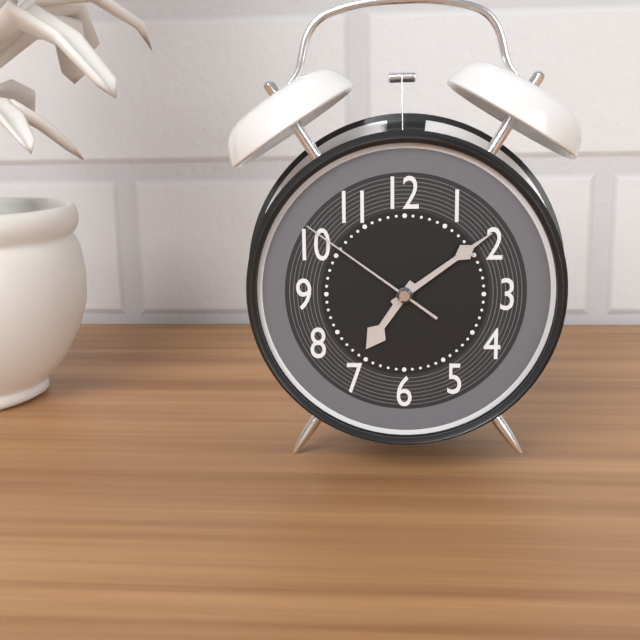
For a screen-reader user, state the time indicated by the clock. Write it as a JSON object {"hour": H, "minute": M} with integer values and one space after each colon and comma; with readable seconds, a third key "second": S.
{"hour": 7, "minute": 9, "second": 51}
